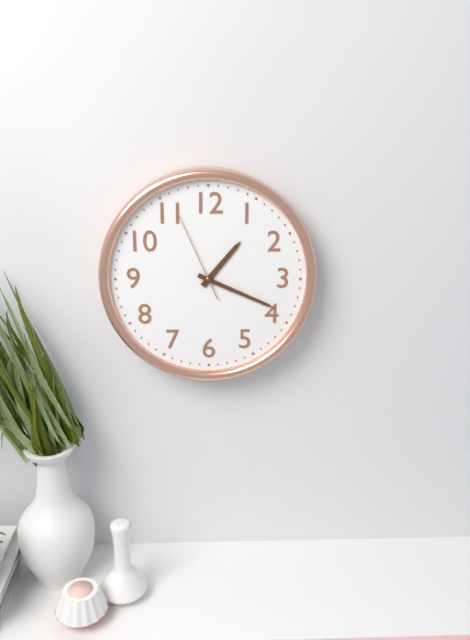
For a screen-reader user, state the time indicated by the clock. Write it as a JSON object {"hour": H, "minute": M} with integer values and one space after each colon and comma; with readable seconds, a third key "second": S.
{"hour": 1, "minute": 19, "second": 56}
